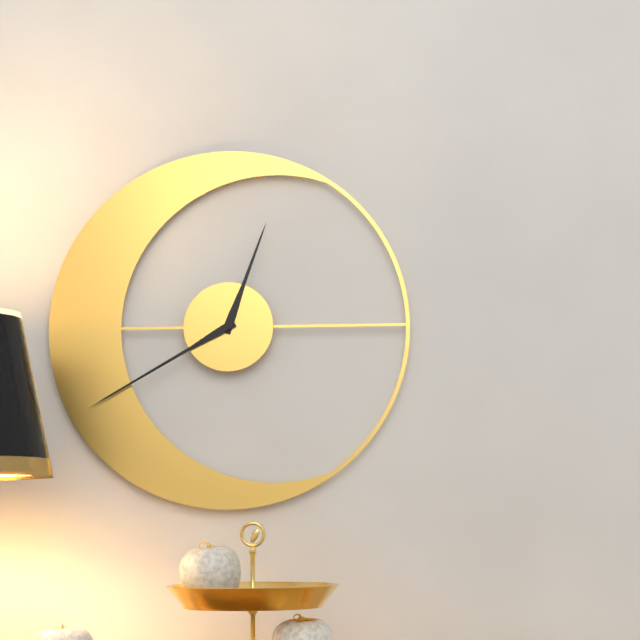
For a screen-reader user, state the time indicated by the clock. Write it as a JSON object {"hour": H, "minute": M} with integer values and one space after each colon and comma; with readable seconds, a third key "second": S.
{"hour": 12, "minute": 40}
